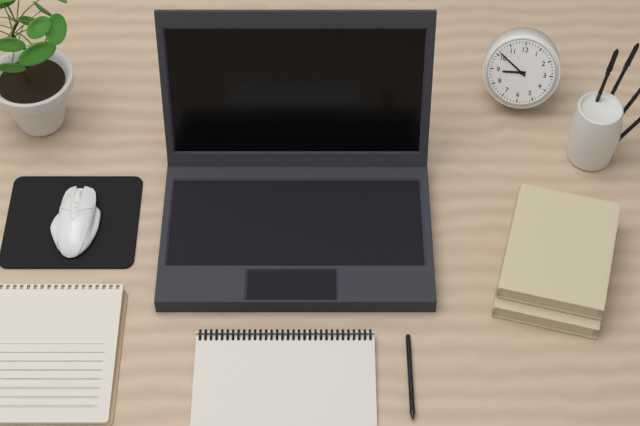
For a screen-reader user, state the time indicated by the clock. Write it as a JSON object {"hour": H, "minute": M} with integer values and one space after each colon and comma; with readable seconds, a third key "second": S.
{"hour": 8, "minute": 51}
